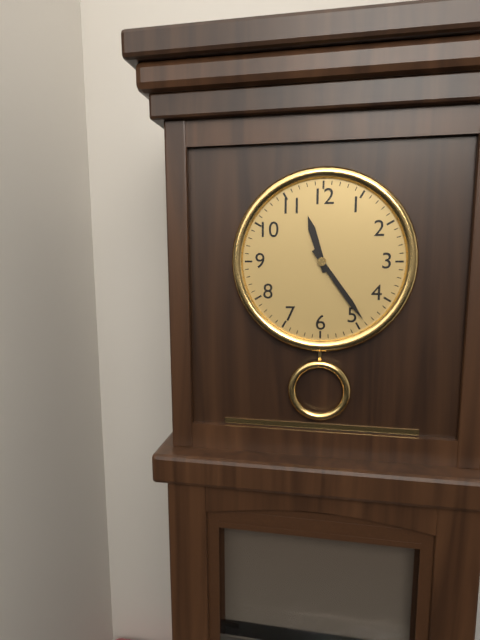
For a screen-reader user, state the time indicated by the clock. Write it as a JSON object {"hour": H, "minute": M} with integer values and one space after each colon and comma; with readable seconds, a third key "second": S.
{"hour": 11, "minute": 24}
